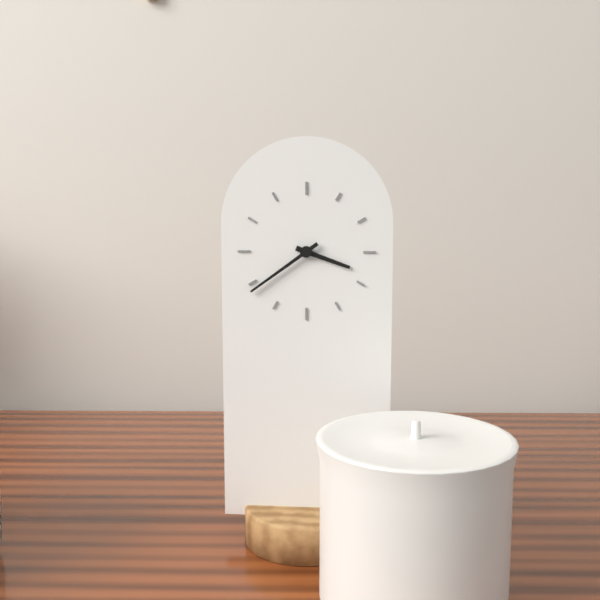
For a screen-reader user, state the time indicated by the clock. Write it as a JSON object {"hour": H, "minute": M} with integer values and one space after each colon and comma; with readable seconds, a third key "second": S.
{"hour": 3, "minute": 39}
